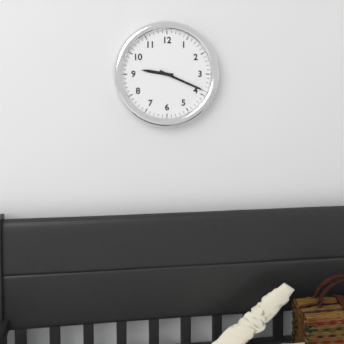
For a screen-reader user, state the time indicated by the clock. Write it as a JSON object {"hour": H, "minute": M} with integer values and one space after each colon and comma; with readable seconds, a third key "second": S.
{"hour": 9, "minute": 19}
